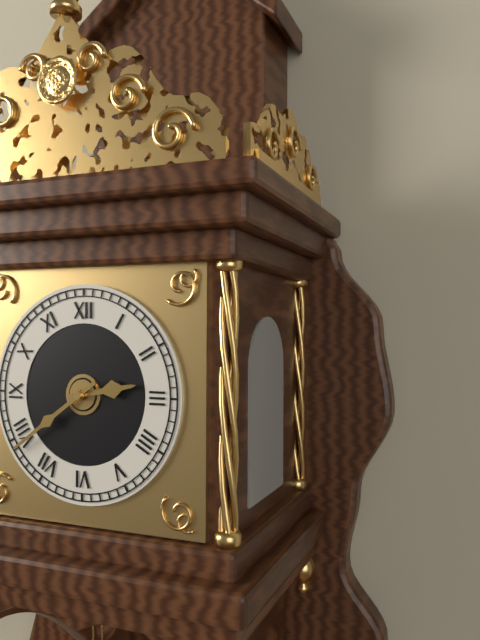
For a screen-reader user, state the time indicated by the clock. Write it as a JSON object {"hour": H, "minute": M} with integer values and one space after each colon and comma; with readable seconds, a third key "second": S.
{"hour": 2, "minute": 39}
